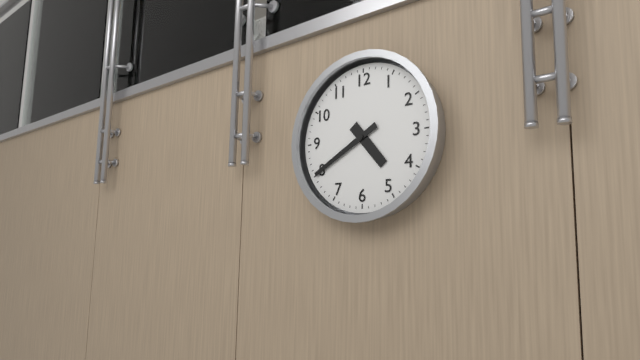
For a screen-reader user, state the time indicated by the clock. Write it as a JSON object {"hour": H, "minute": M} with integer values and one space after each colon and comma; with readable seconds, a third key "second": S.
{"hour": 4, "minute": 40}
